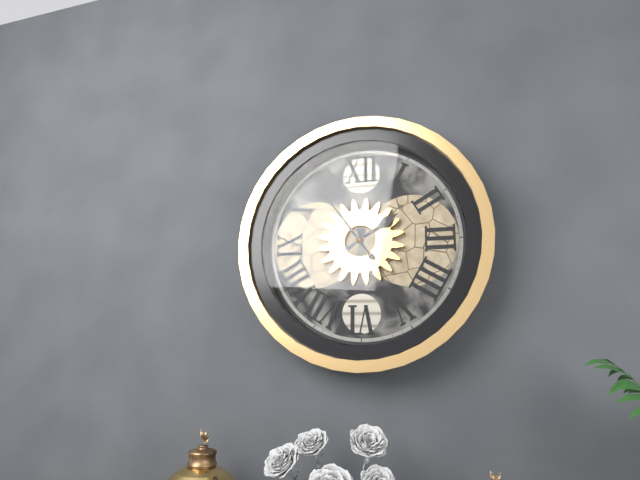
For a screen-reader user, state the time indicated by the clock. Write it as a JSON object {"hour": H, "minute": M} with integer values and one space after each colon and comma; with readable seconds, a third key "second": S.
{"hour": 1, "minute": 54}
